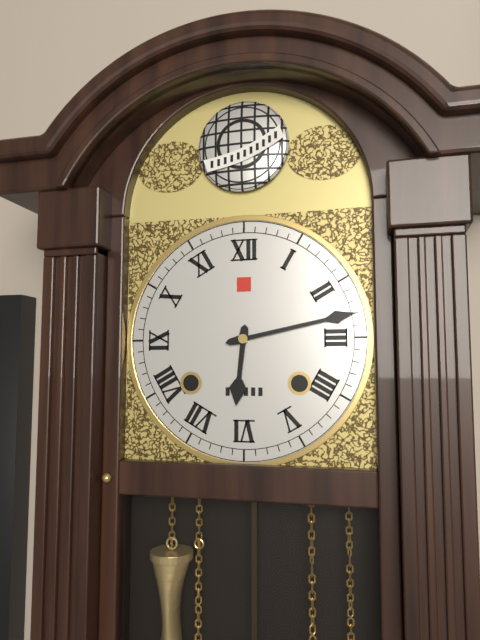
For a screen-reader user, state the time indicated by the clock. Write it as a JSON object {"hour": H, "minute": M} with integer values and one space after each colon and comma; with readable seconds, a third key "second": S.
{"hour": 6, "minute": 13}
